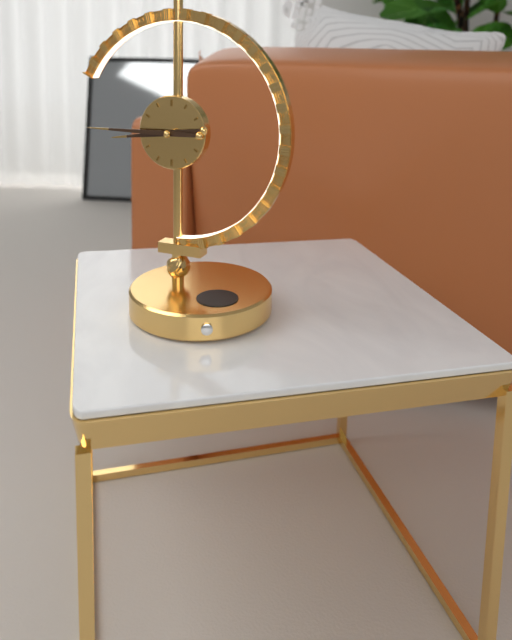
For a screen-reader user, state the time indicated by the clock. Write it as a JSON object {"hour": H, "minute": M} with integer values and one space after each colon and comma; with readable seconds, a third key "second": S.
{"hour": 8, "minute": 45}
